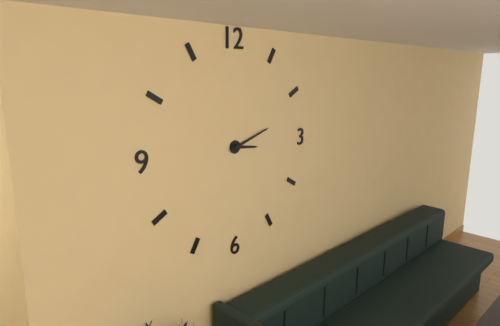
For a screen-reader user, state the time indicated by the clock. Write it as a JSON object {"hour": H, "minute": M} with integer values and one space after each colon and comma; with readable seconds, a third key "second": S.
{"hour": 3, "minute": 12}
